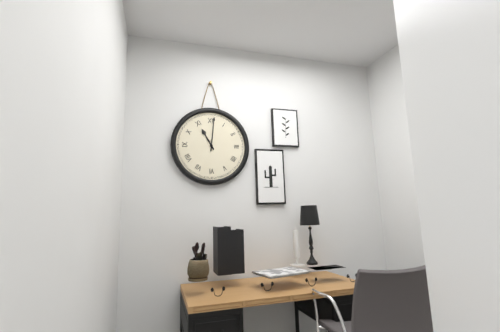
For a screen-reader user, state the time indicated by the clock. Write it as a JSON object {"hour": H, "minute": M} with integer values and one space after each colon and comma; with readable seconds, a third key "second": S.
{"hour": 11, "minute": 1}
